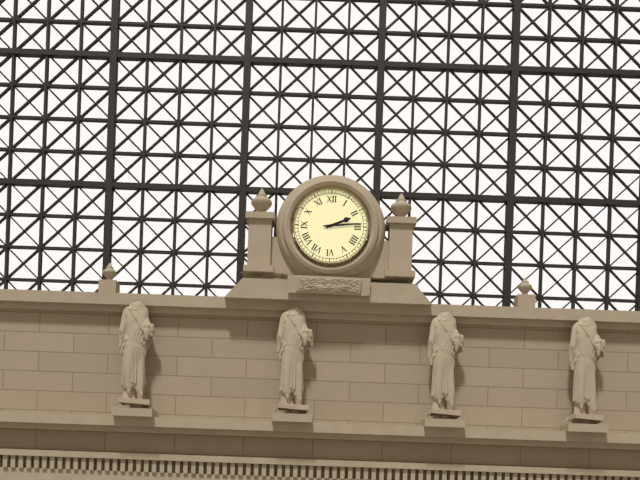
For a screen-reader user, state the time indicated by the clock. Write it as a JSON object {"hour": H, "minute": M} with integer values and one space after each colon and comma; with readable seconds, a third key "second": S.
{"hour": 2, "minute": 14}
